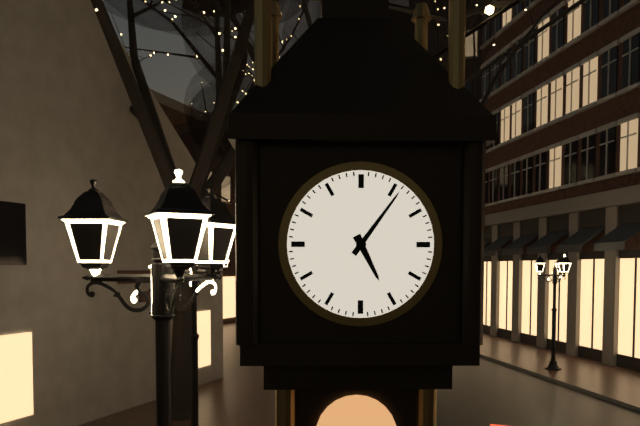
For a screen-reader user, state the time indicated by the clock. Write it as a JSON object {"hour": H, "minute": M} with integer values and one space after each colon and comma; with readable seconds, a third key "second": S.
{"hour": 5, "minute": 6}
